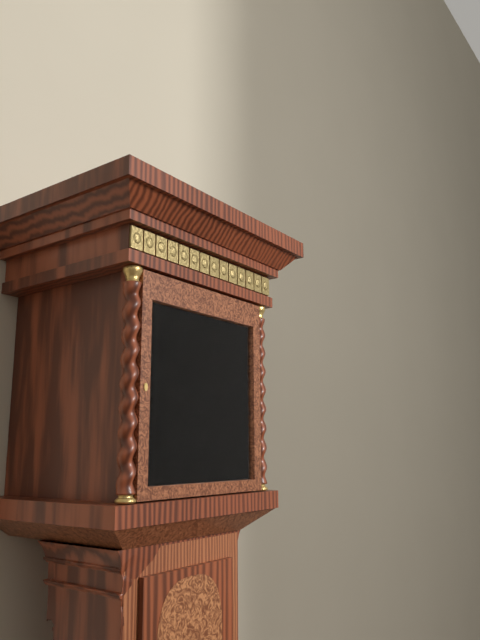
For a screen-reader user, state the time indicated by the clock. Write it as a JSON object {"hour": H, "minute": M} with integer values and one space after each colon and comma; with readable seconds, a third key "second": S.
{"hour": 4, "minute": 46}
